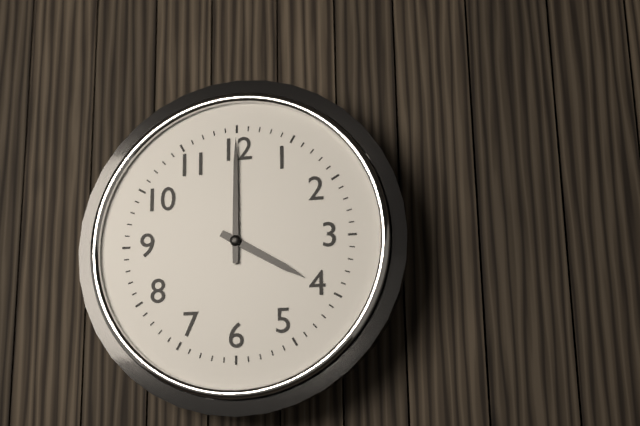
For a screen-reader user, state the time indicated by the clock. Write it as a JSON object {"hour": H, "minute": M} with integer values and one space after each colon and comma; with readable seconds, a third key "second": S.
{"hour": 4, "minute": 0}
